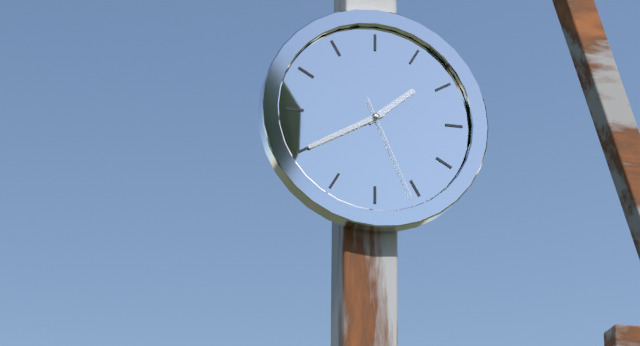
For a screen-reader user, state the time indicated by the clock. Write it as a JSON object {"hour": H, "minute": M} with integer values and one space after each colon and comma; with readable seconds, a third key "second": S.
{"hour": 1, "minute": 40, "second": 26}
